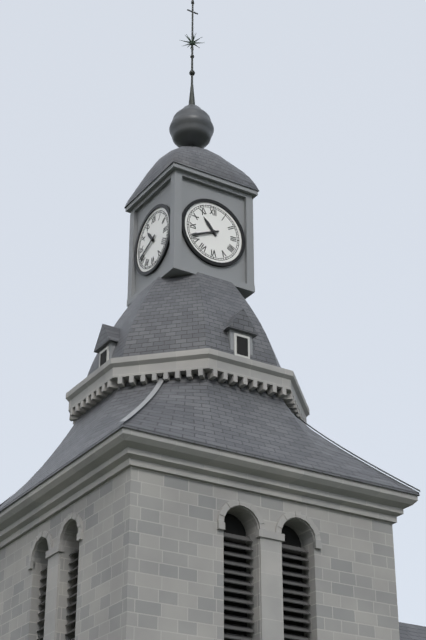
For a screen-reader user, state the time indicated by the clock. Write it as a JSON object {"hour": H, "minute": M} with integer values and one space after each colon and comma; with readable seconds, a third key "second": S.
{"hour": 10, "minute": 41}
